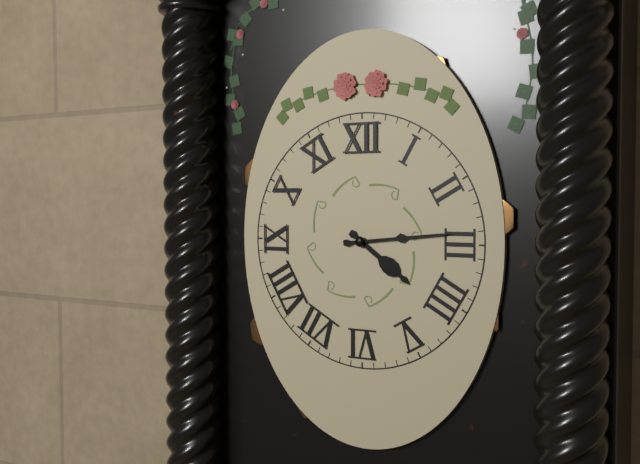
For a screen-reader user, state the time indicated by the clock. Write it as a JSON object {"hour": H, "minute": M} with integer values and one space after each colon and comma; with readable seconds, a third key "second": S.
{"hour": 4, "minute": 14}
